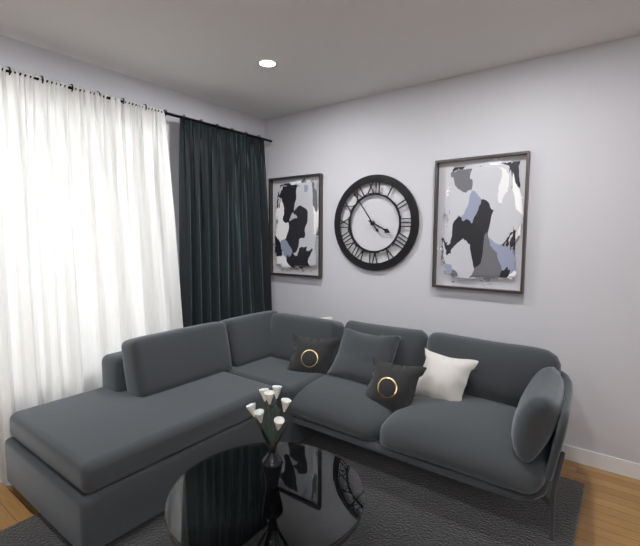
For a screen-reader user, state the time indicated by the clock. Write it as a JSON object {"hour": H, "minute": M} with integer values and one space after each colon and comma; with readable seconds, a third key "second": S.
{"hour": 3, "minute": 54}
